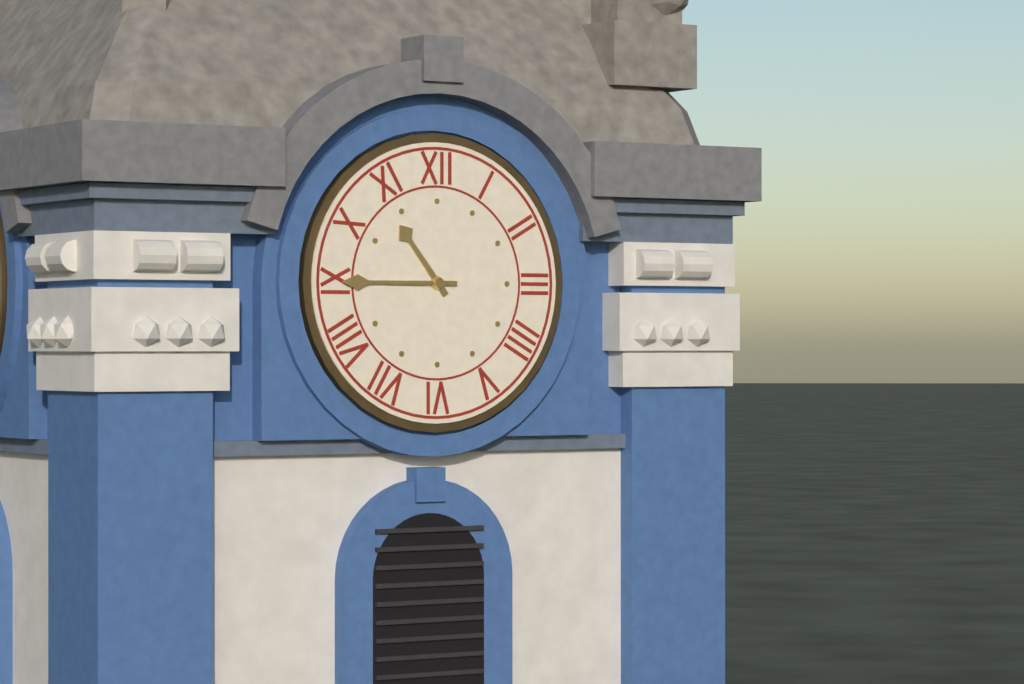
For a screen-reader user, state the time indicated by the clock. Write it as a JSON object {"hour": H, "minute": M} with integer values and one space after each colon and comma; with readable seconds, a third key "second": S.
{"hour": 10, "minute": 45}
